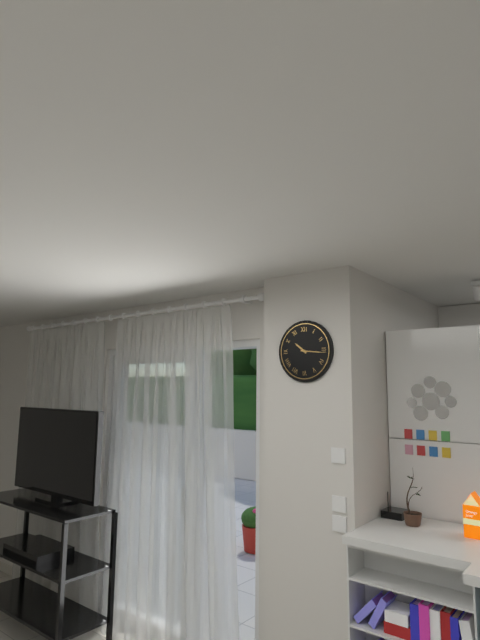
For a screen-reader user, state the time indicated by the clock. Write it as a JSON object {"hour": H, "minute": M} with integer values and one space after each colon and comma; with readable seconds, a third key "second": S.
{"hour": 10, "minute": 16}
